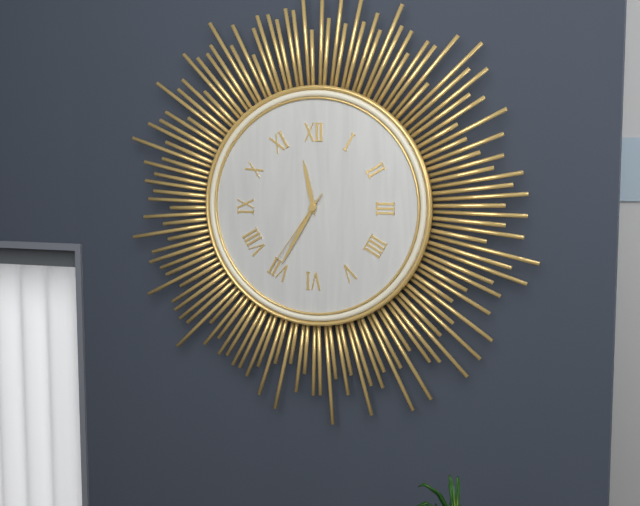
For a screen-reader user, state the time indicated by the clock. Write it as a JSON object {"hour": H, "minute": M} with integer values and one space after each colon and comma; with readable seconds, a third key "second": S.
{"hour": 11, "minute": 35, "second": 36}
